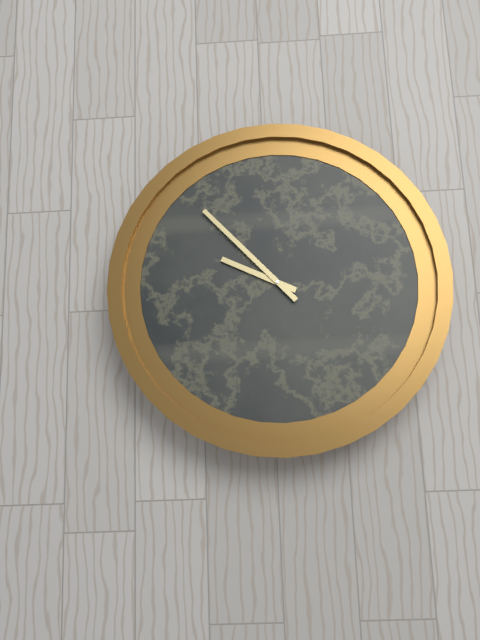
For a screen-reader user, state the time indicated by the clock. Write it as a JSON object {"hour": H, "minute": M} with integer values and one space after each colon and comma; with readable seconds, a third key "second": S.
{"hour": 9, "minute": 53}
